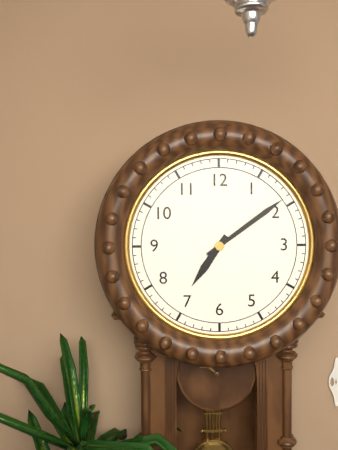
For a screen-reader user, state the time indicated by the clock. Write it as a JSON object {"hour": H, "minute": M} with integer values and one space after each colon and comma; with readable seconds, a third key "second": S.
{"hour": 7, "minute": 9}
